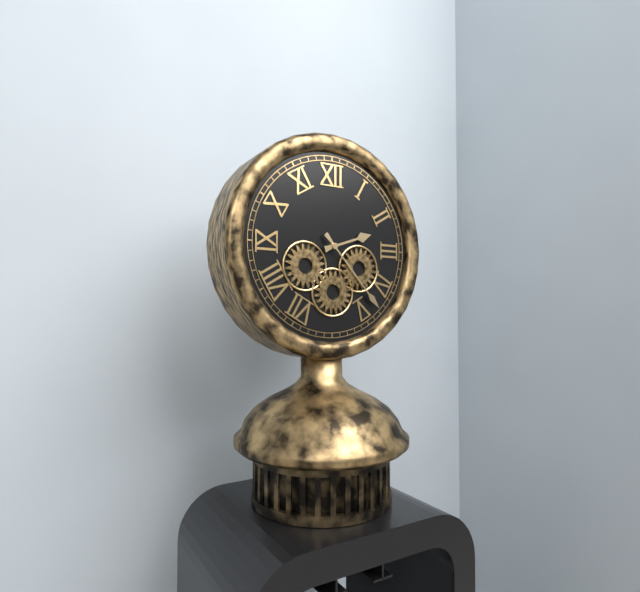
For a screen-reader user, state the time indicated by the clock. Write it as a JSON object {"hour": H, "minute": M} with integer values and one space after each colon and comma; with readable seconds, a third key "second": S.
{"hour": 2, "minute": 23}
